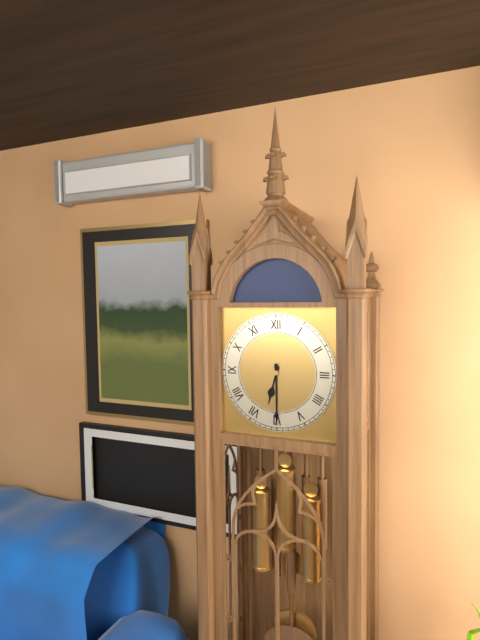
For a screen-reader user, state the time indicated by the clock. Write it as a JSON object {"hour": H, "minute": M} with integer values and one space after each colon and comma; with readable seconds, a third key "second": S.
{"hour": 6, "minute": 30}
